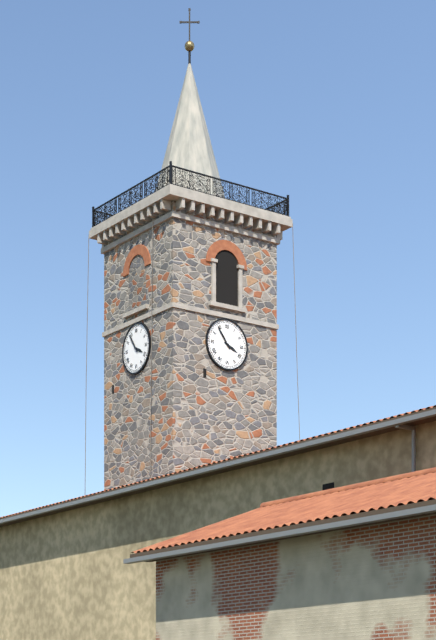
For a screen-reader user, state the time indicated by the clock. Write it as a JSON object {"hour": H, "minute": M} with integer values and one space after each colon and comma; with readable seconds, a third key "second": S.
{"hour": 3, "minute": 54}
